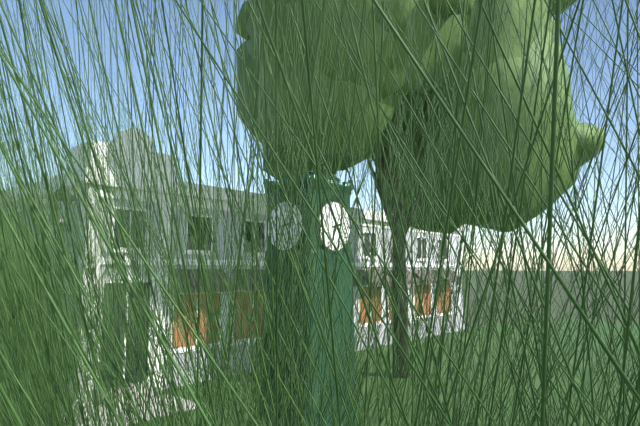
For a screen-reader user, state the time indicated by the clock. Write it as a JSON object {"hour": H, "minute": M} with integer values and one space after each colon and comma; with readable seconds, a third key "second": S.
{"hour": 2, "minute": 33}
